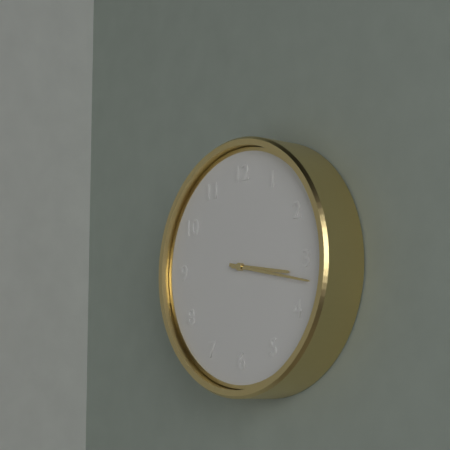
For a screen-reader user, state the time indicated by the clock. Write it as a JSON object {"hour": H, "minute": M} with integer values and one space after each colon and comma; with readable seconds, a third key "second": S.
{"hour": 3, "minute": 17}
